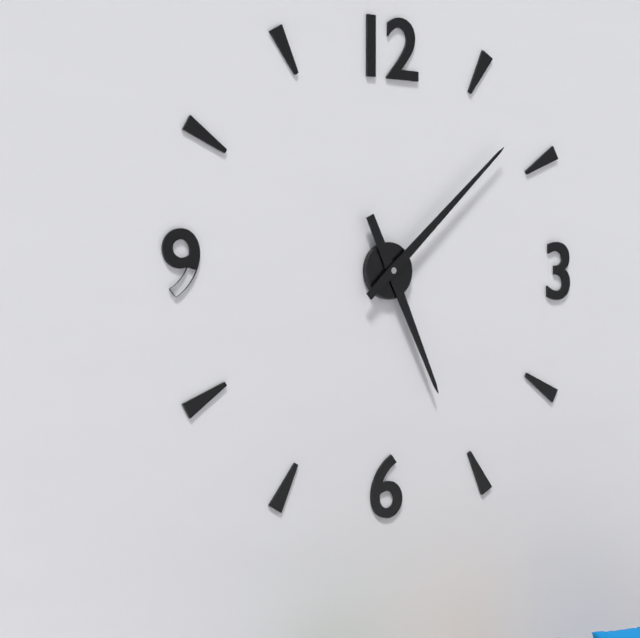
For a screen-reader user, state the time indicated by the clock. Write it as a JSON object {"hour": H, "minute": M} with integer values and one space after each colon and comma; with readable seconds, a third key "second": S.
{"hour": 5, "minute": 8}
